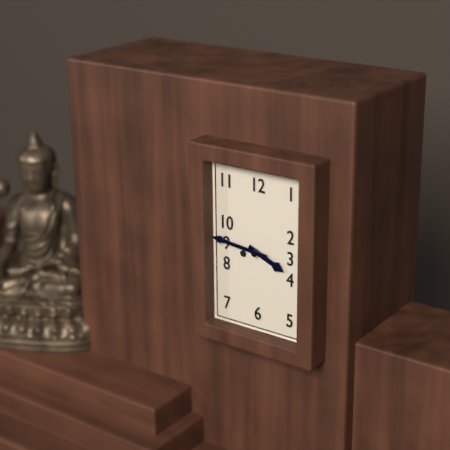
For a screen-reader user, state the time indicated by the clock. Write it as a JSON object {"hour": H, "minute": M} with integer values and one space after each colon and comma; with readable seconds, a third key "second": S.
{"hour": 3, "minute": 46}
